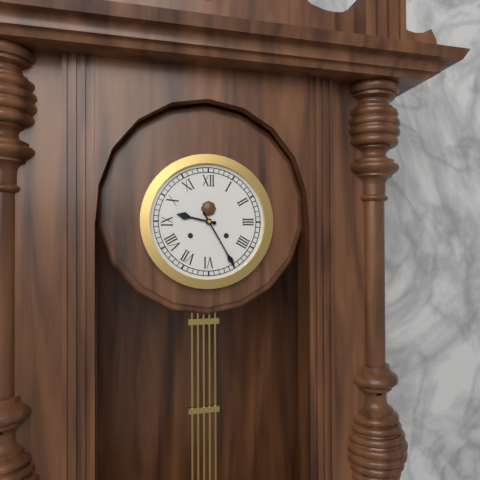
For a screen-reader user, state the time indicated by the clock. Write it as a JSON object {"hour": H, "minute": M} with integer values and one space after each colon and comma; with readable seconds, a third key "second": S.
{"hour": 9, "minute": 25}
